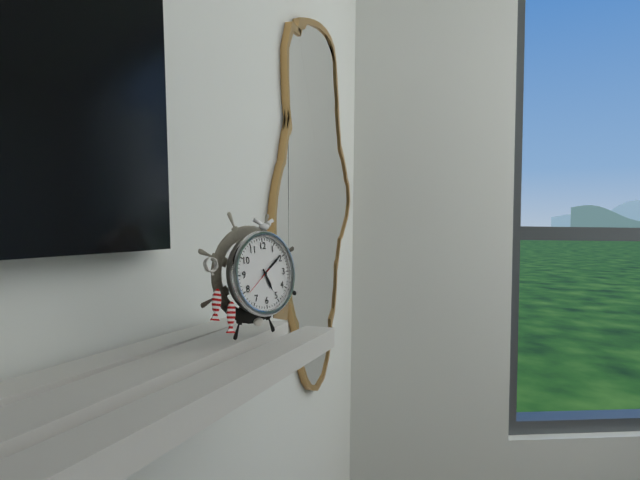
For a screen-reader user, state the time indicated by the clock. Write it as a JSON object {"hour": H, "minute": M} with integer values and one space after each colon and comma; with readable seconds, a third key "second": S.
{"hour": 5, "minute": 9}
